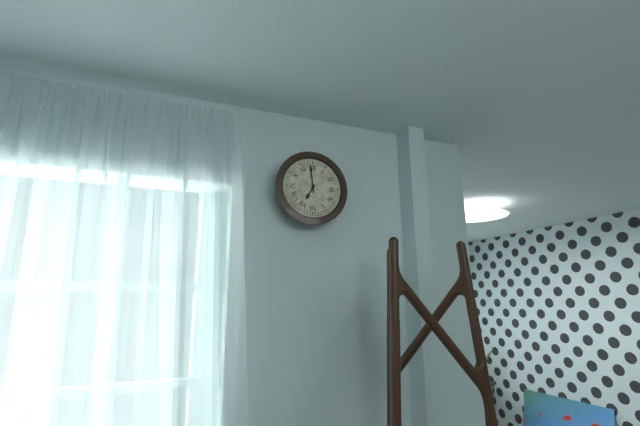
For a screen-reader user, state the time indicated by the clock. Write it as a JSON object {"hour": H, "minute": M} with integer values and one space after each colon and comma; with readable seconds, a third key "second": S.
{"hour": 6, "minute": 59}
